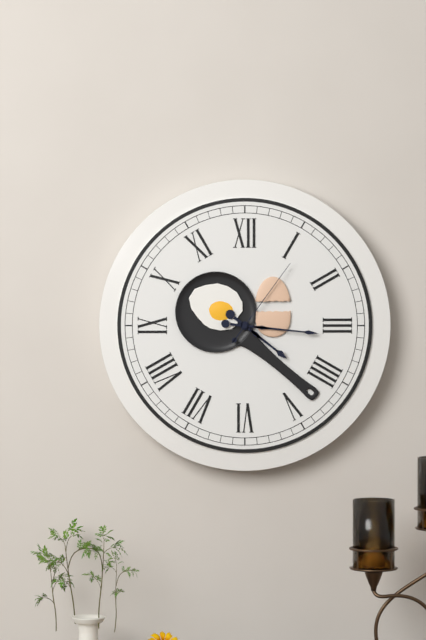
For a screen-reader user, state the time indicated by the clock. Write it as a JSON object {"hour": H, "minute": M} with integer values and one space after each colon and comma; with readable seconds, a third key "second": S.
{"hour": 4, "minute": 16, "second": 6}
